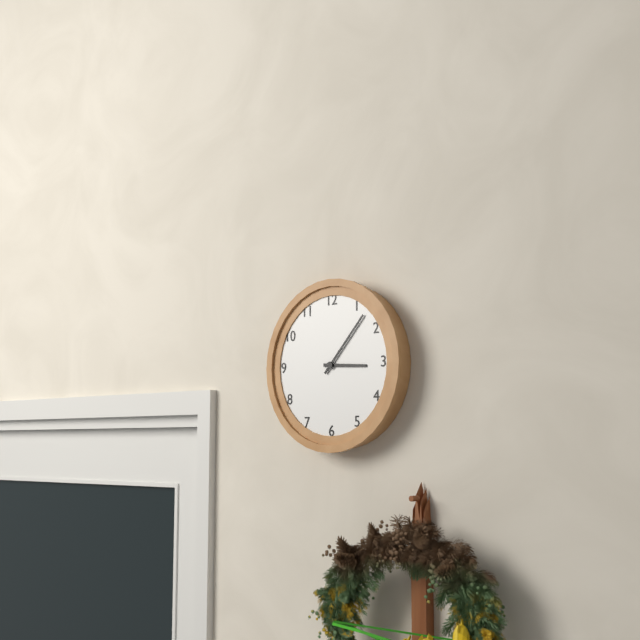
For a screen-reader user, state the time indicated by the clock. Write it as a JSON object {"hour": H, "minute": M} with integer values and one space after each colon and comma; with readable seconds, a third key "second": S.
{"hour": 3, "minute": 7}
